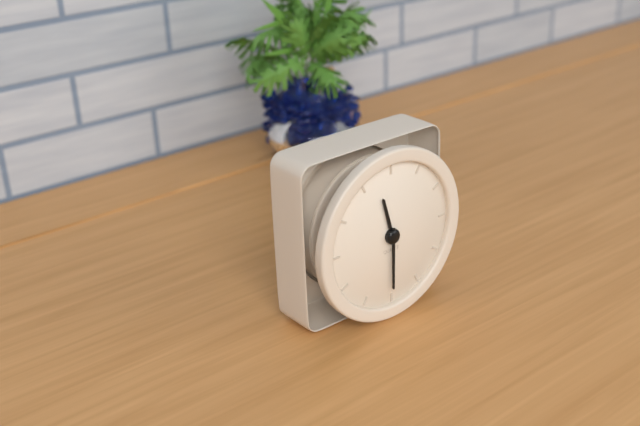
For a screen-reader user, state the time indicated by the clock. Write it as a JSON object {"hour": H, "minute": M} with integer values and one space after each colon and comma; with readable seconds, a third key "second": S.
{"hour": 11, "minute": 30}
